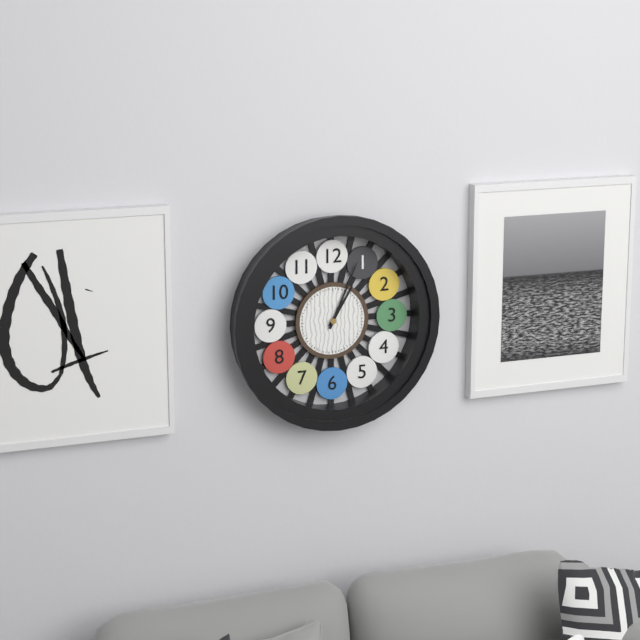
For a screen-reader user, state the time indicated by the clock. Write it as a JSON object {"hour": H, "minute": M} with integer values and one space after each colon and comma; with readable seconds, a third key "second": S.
{"hour": 1, "minute": 4}
